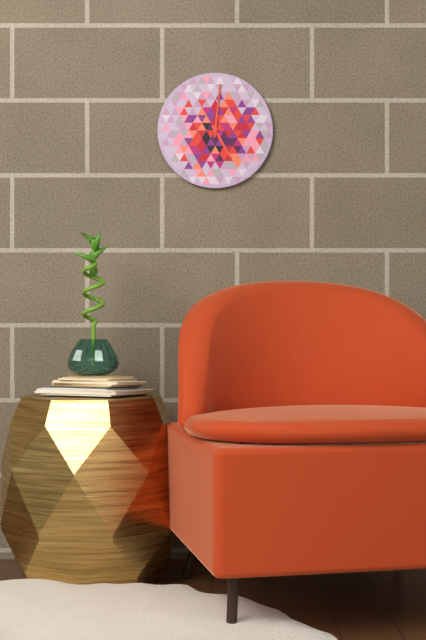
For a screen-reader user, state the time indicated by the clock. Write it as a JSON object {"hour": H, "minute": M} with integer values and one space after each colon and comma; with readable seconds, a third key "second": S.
{"hour": 5, "minute": 1}
